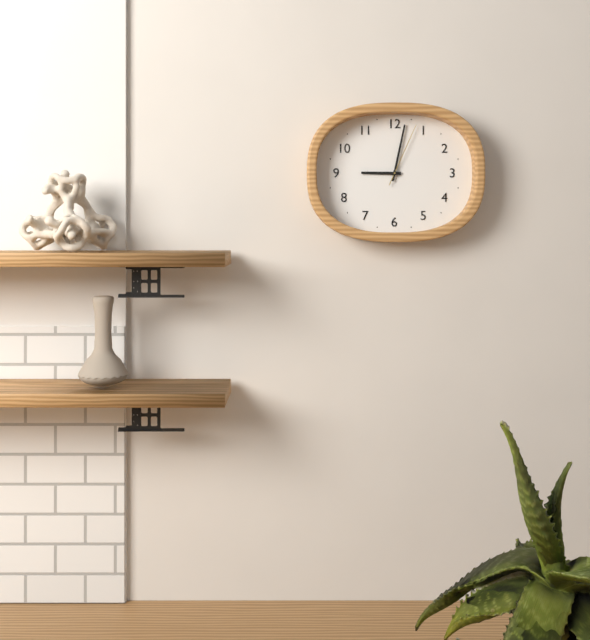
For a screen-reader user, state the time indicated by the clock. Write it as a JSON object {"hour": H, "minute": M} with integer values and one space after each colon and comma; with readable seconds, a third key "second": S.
{"hour": 9, "minute": 2, "second": 4}
